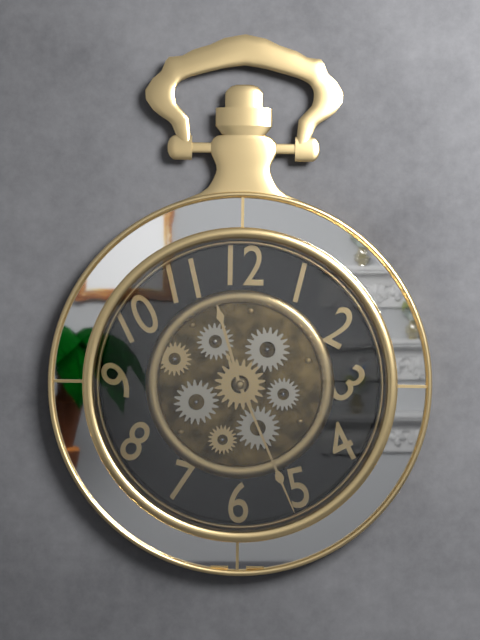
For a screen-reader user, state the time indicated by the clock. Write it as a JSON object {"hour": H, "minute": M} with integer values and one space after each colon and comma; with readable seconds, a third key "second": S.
{"hour": 11, "minute": 26}
